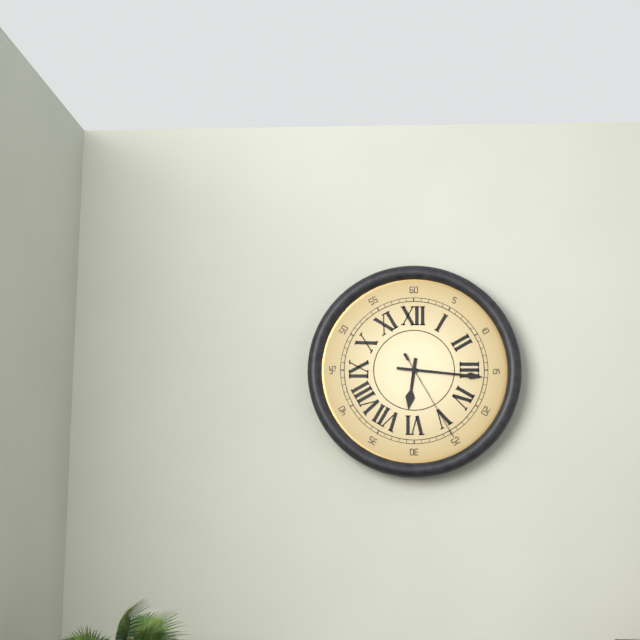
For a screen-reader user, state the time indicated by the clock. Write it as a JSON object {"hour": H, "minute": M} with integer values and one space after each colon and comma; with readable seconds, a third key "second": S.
{"hour": 6, "minute": 16, "second": 25}
